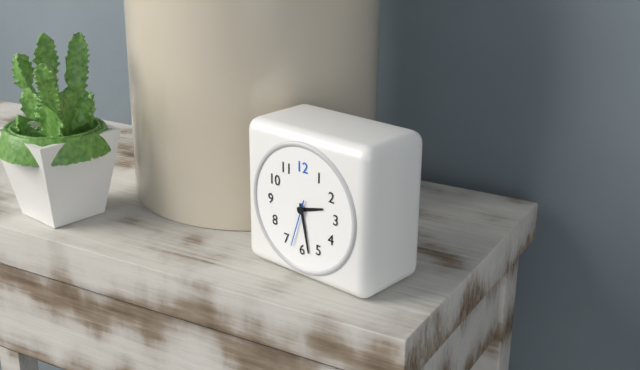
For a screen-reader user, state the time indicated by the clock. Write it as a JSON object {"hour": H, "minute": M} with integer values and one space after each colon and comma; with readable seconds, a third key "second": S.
{"hour": 2, "minute": 28}
